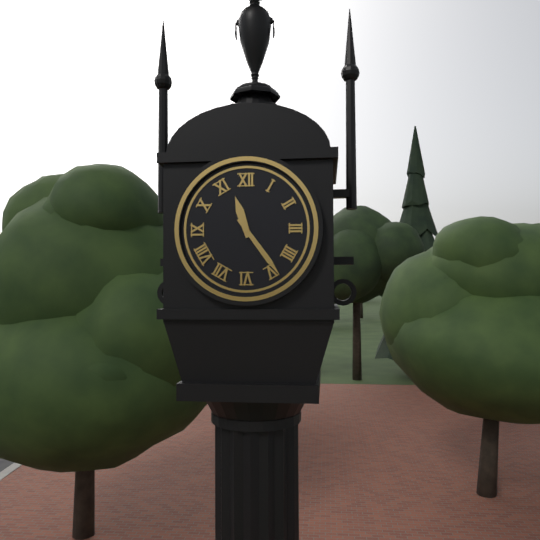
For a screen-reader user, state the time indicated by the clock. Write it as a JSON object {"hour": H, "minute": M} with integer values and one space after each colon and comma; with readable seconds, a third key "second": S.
{"hour": 11, "minute": 24}
